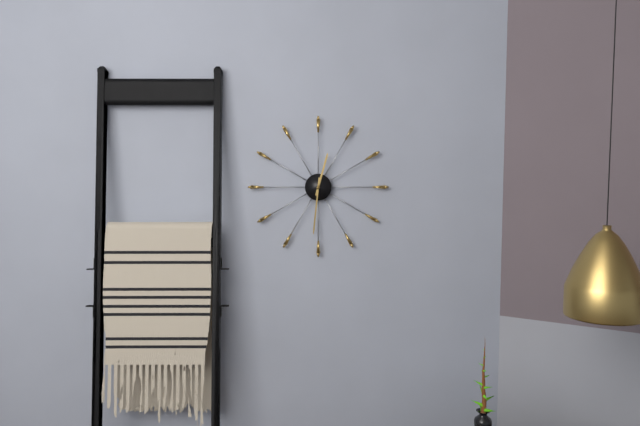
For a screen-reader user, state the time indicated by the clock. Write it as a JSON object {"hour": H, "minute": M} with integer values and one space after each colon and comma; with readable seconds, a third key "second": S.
{"hour": 12, "minute": 31}
